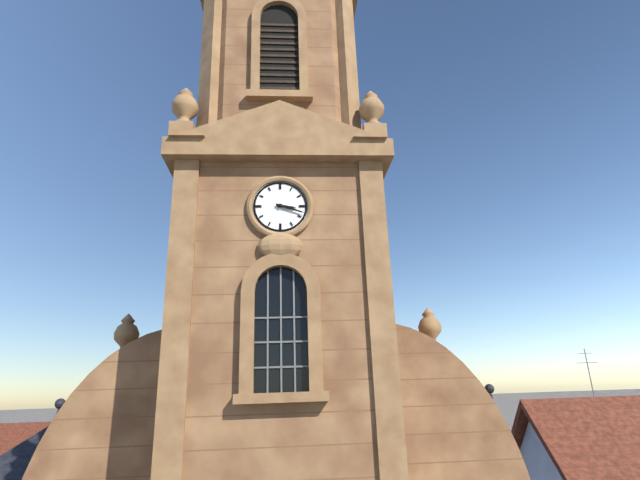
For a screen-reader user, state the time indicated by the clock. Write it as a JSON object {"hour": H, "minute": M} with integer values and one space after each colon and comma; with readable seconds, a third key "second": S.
{"hour": 3, "minute": 18}
